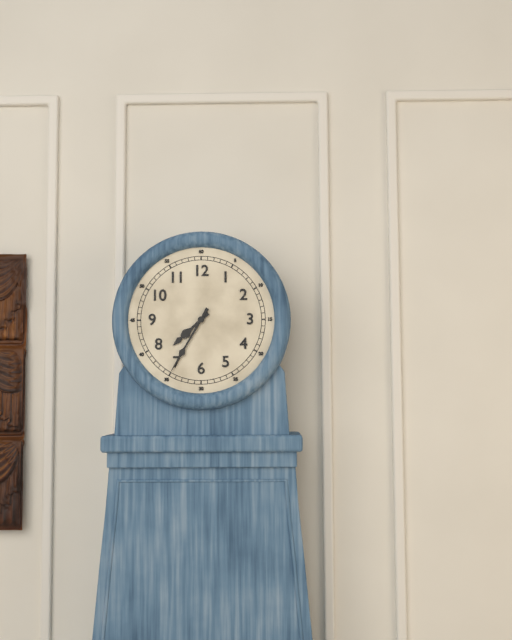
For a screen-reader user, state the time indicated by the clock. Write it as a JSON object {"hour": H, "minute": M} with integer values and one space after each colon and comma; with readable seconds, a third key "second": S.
{"hour": 7, "minute": 35}
